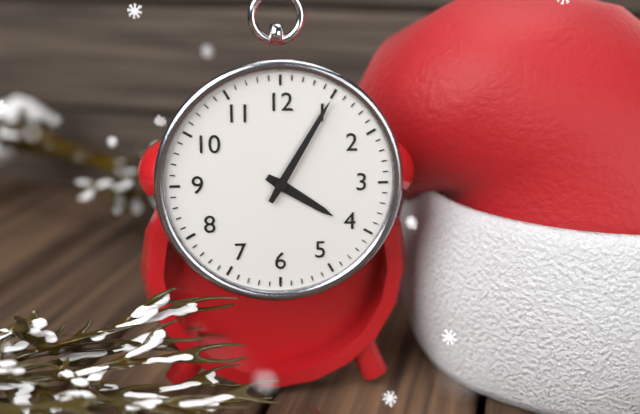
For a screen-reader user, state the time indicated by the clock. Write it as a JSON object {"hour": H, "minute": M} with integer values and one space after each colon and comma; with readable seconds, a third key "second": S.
{"hour": 4, "minute": 5}
